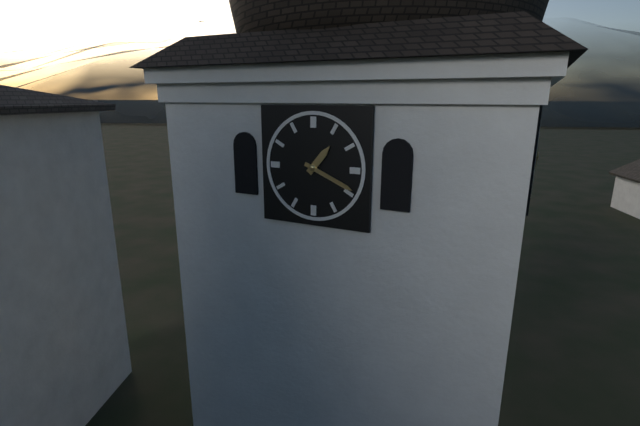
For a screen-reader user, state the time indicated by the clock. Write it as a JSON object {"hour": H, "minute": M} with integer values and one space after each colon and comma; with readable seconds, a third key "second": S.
{"hour": 1, "minute": 19}
